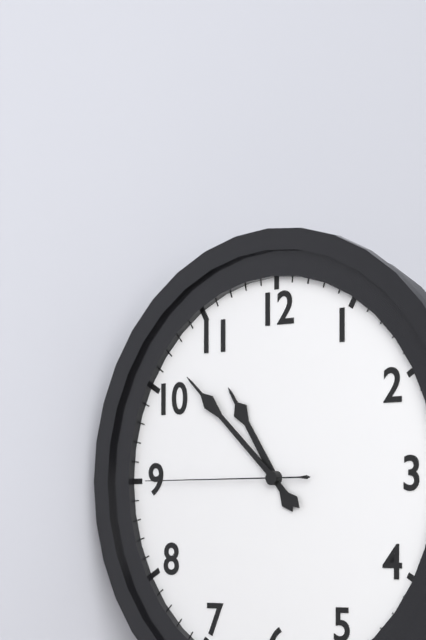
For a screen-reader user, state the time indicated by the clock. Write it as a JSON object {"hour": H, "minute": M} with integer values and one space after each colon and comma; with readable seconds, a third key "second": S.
{"hour": 10, "minute": 52, "second": 45}
